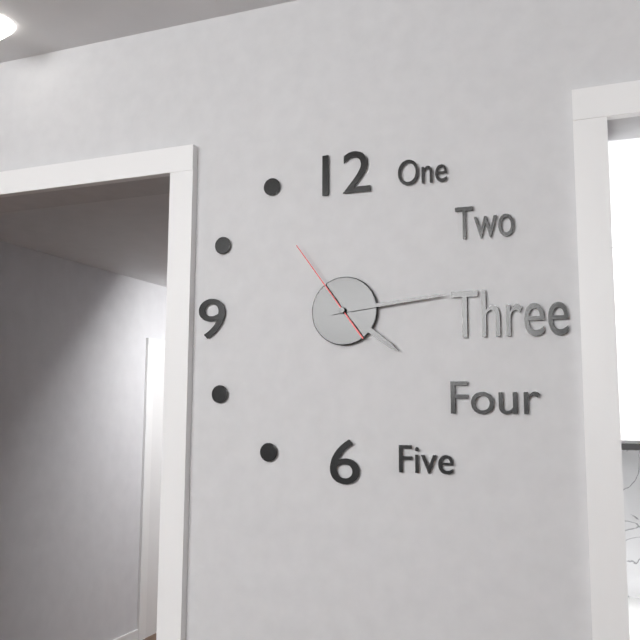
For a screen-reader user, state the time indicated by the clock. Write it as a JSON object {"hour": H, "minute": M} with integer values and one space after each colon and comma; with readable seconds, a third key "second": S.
{"hour": 4, "minute": 14, "second": 54}
